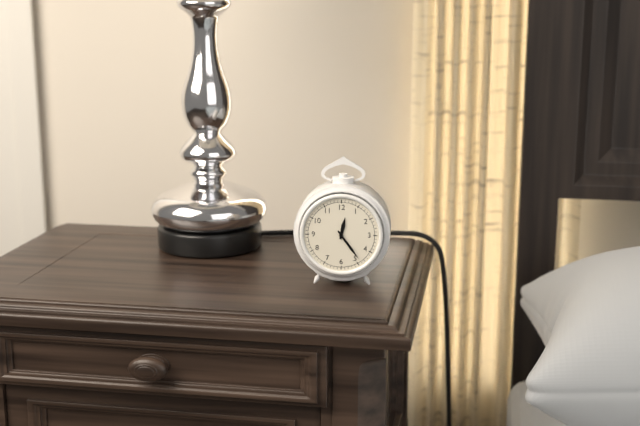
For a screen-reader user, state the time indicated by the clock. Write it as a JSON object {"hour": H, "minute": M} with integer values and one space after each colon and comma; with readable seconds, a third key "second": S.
{"hour": 12, "minute": 24}
